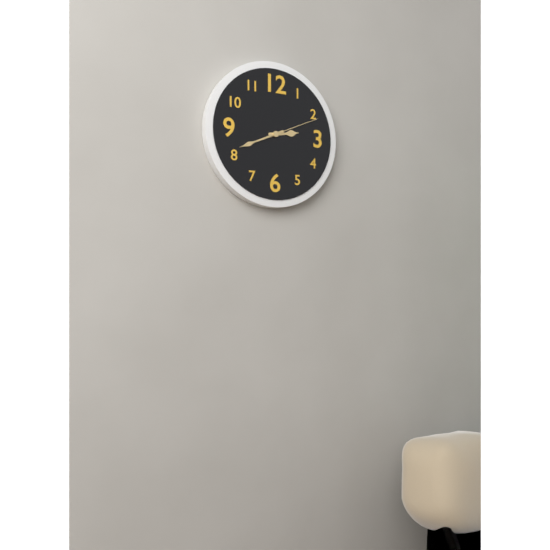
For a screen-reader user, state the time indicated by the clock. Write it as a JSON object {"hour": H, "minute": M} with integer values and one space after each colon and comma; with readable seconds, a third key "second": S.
{"hour": 2, "minute": 41, "second": 11}
